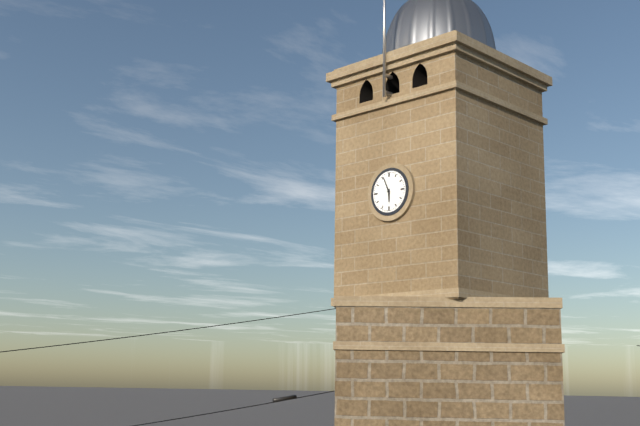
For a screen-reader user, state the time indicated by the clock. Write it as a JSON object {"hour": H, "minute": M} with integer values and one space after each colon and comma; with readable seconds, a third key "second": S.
{"hour": 5, "minute": 56}
